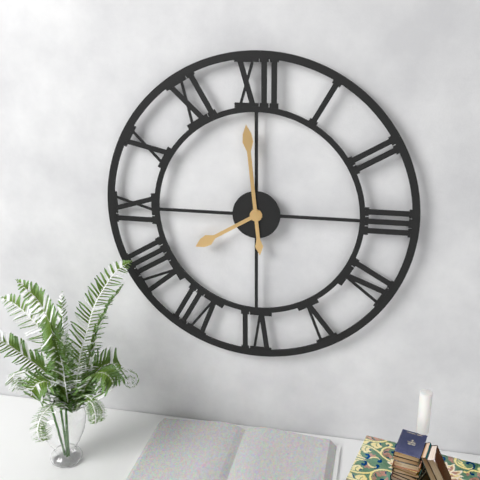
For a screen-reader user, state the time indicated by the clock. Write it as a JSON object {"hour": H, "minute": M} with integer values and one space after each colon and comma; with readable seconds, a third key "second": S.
{"hour": 7, "minute": 59}
